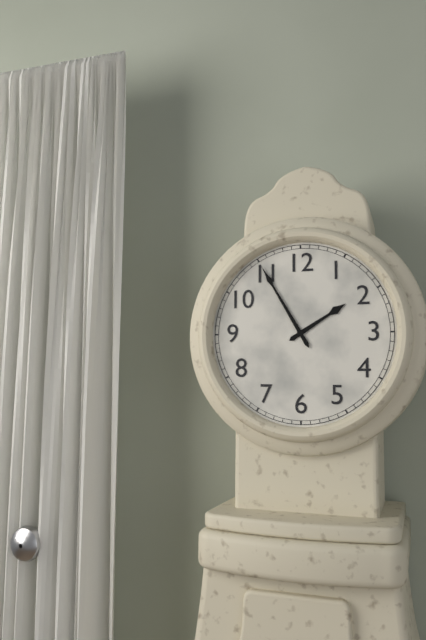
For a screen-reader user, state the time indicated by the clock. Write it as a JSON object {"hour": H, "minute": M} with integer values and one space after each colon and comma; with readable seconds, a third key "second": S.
{"hour": 1, "minute": 55}
